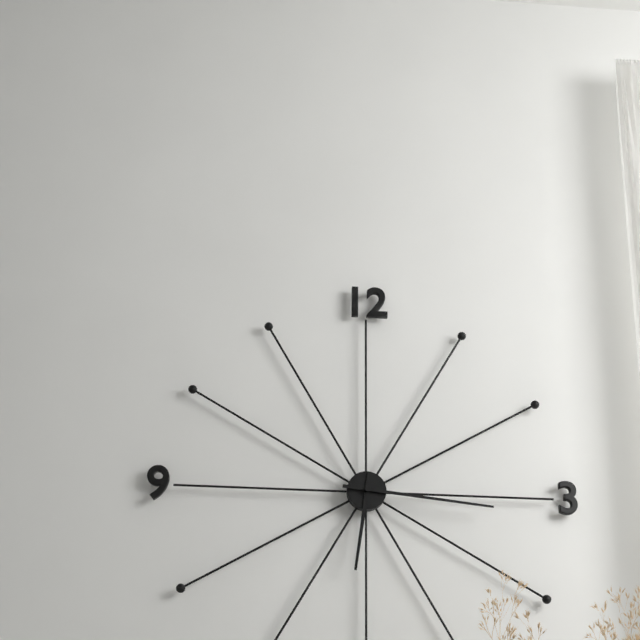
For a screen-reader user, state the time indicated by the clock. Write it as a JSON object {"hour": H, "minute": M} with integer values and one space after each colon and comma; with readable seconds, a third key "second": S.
{"hour": 6, "minute": 16}
